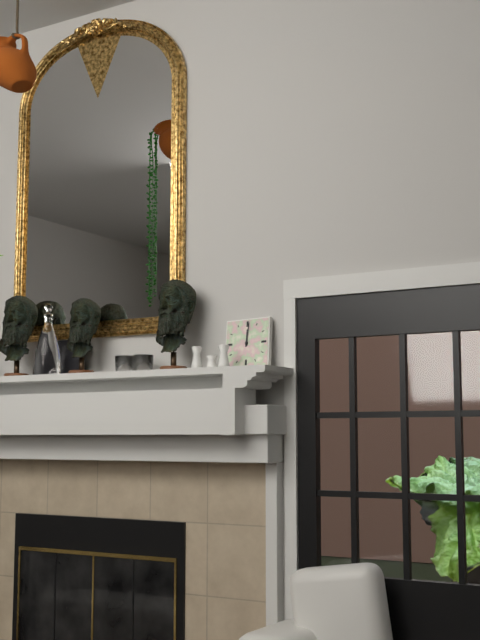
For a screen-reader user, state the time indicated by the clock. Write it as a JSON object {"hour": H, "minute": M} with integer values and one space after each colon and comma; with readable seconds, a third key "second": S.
{"hour": 12, "minute": 1}
